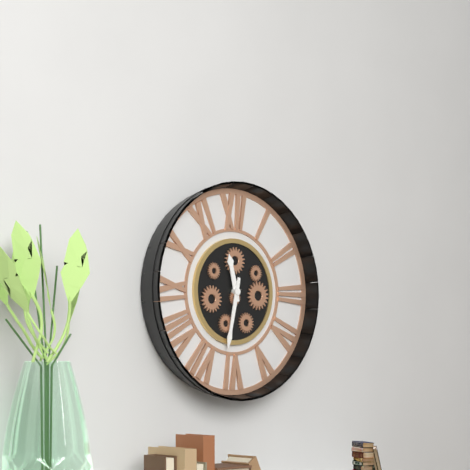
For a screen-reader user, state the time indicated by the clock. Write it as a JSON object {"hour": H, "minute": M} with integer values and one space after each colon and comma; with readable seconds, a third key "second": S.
{"hour": 11, "minute": 32}
